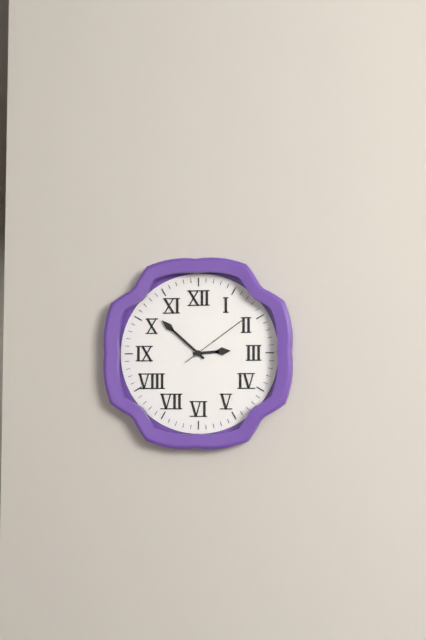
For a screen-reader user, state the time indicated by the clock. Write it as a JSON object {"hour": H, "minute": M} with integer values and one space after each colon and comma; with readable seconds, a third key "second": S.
{"hour": 2, "minute": 52, "second": 9}
